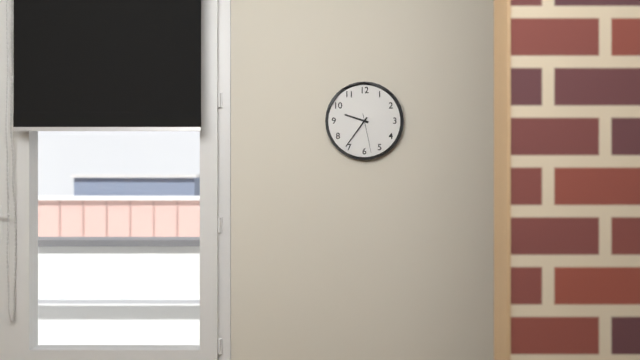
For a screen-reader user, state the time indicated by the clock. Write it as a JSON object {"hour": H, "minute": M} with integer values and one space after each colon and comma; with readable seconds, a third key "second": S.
{"hour": 9, "minute": 36}
